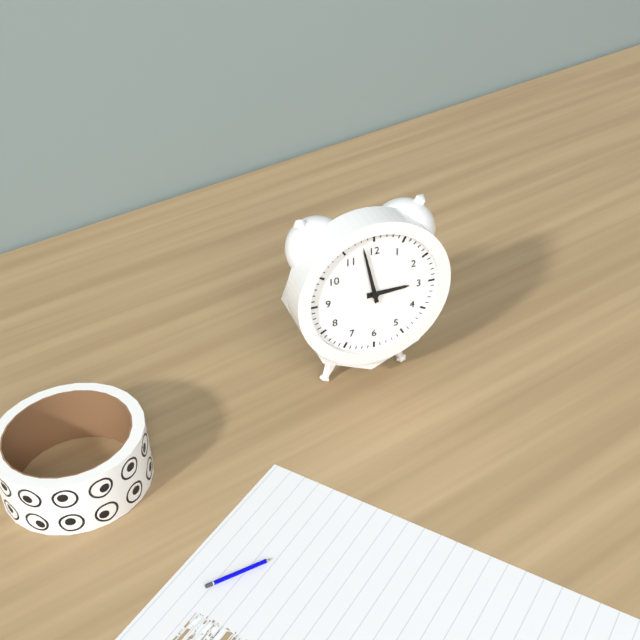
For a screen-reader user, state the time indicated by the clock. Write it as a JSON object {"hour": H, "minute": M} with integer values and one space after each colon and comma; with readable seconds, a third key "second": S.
{"hour": 2, "minute": 58}
